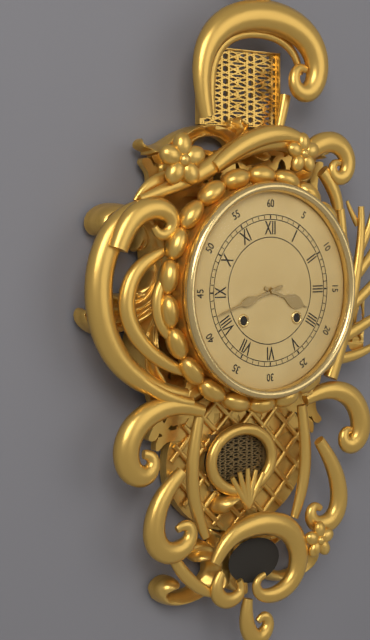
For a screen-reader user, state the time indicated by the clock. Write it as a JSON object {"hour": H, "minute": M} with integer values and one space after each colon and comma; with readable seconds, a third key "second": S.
{"hour": 3, "minute": 42}
